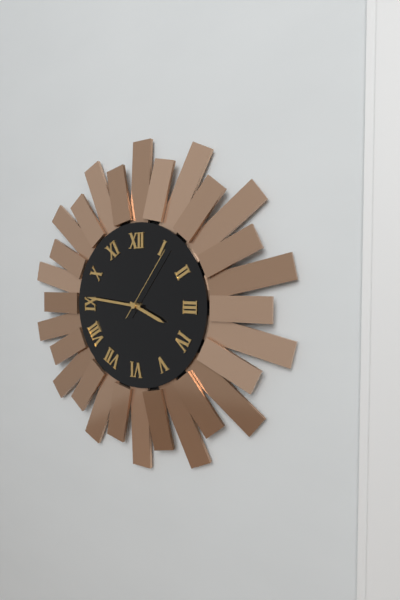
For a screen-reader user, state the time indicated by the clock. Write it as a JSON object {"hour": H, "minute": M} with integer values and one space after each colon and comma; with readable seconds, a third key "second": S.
{"hour": 3, "minute": 46, "second": 6}
